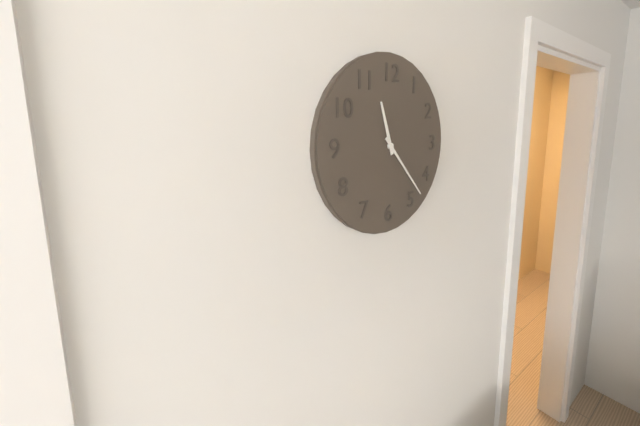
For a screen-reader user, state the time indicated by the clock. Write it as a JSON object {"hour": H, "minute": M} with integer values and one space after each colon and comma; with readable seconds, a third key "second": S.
{"hour": 11, "minute": 23}
